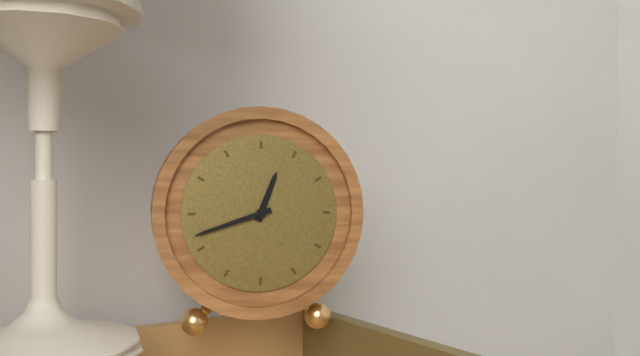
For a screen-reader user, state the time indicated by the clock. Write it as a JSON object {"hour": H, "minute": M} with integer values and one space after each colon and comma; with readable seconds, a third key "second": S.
{"hour": 12, "minute": 42}
